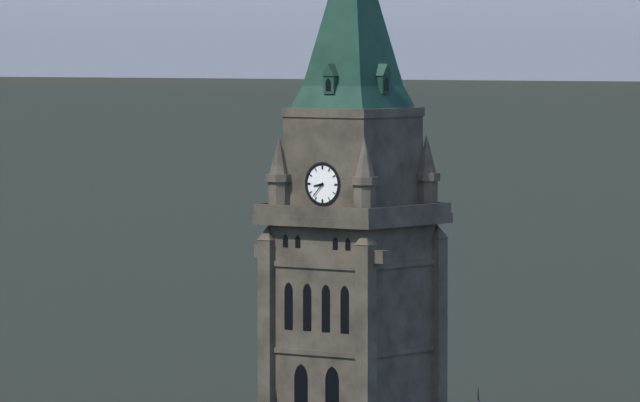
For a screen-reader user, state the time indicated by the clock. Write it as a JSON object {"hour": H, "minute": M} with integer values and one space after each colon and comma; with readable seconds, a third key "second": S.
{"hour": 8, "minute": 37}
